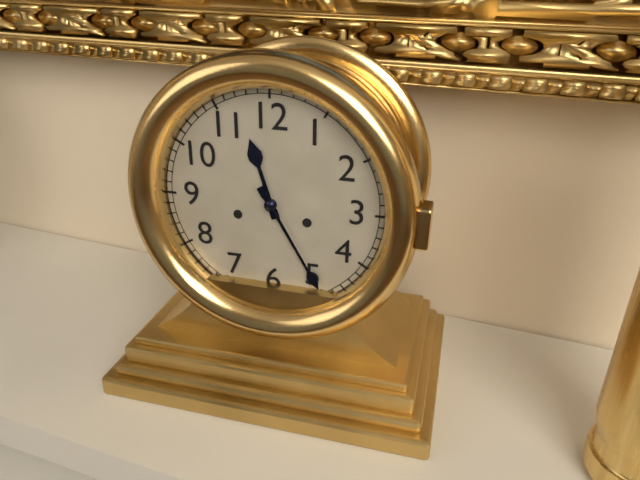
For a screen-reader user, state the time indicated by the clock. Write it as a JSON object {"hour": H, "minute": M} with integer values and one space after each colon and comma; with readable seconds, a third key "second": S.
{"hour": 11, "minute": 25}
